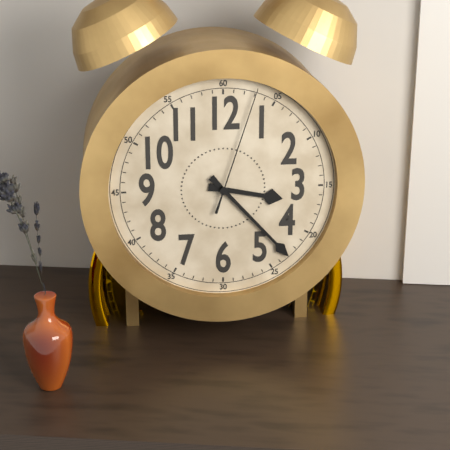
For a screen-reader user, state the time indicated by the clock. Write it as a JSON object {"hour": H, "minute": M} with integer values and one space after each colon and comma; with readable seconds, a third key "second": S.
{"hour": 3, "minute": 23, "second": 3}
